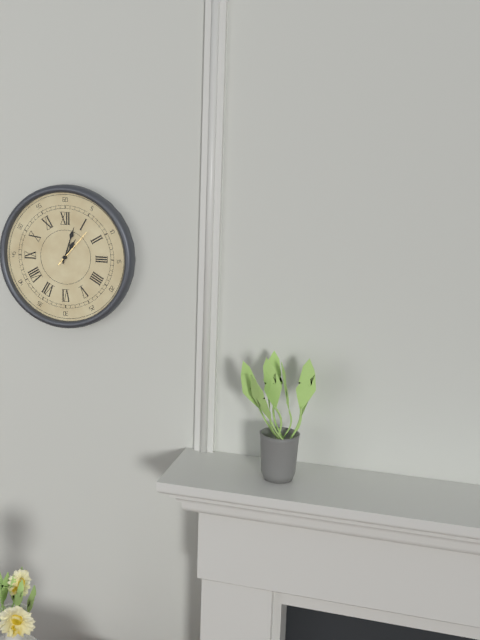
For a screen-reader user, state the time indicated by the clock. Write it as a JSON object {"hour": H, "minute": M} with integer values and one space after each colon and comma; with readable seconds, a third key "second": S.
{"hour": 1, "minute": 3}
